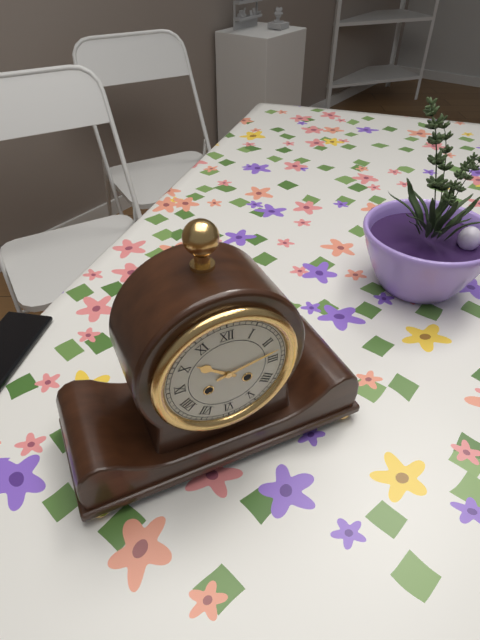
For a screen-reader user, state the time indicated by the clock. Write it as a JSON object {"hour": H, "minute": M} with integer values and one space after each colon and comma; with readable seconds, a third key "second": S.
{"hour": 10, "minute": 13}
